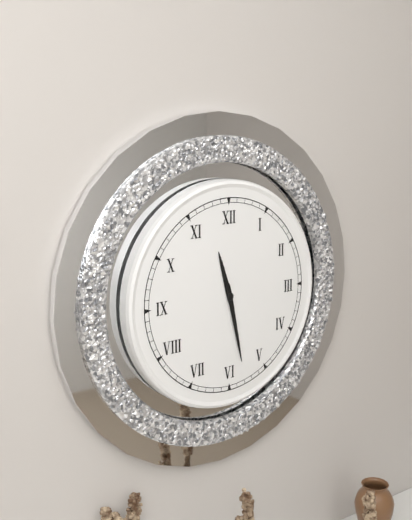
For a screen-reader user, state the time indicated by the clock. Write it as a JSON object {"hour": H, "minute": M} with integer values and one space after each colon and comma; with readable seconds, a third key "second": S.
{"hour": 11, "minute": 28}
